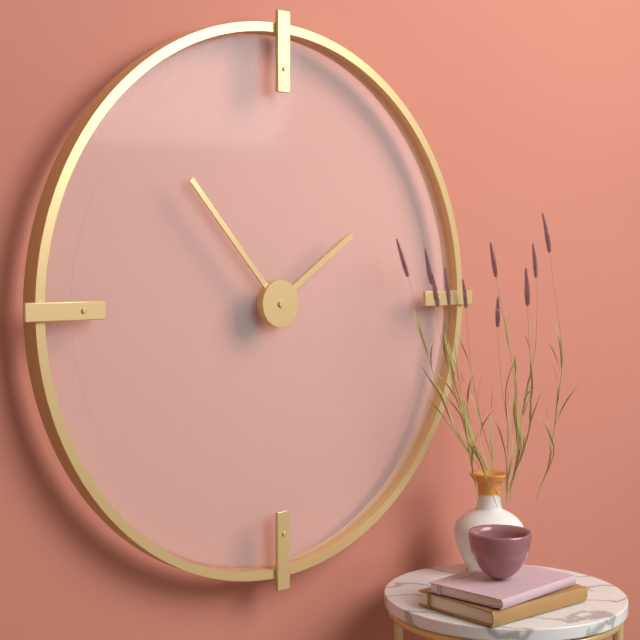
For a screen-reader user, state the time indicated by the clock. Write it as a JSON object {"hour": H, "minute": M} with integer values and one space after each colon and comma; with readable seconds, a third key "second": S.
{"hour": 1, "minute": 53}
